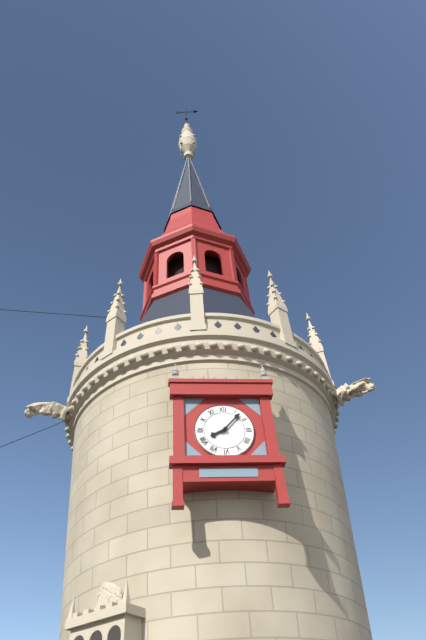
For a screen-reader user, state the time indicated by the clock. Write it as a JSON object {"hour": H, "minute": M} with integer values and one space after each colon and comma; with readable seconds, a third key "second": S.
{"hour": 8, "minute": 7}
